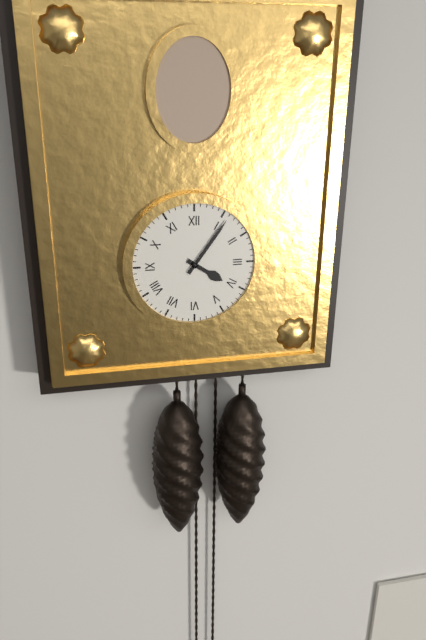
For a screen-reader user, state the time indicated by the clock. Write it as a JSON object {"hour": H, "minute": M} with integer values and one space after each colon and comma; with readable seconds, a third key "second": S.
{"hour": 4, "minute": 6}
